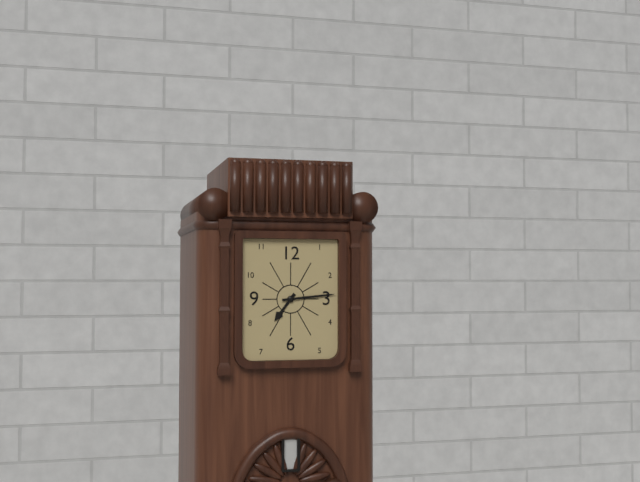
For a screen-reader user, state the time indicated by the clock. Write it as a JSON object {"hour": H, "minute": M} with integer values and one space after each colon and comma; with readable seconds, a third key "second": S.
{"hour": 7, "minute": 14}
